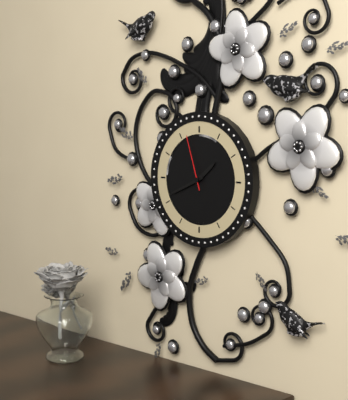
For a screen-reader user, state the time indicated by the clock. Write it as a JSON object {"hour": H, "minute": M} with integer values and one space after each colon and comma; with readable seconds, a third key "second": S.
{"hour": 1, "minute": 41, "second": 57}
